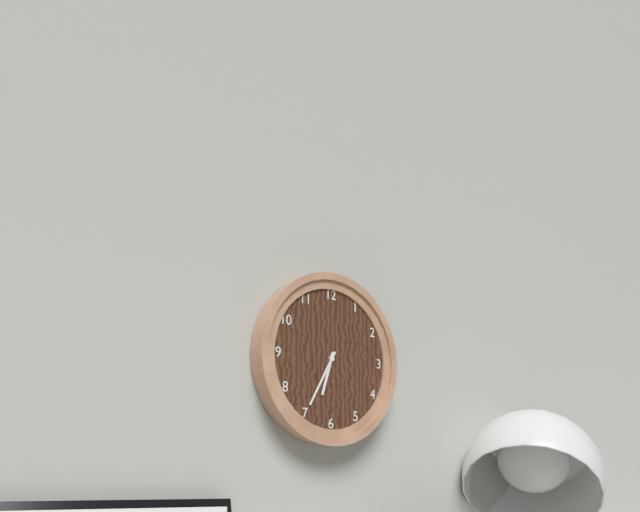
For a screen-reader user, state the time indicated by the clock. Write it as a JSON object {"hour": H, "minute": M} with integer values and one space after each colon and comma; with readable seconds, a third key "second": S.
{"hour": 6, "minute": 35}
